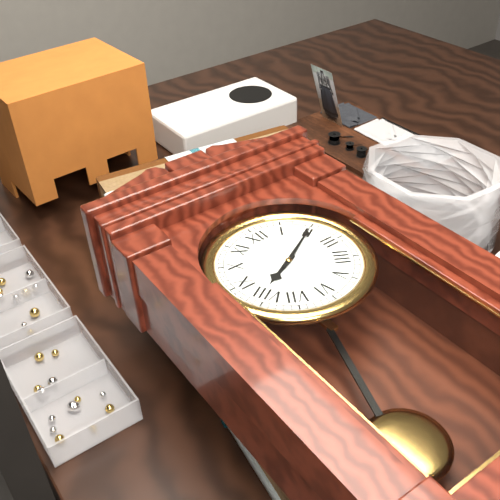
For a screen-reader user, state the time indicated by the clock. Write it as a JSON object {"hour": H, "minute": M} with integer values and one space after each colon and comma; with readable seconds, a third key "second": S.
{"hour": 8, "minute": 10}
